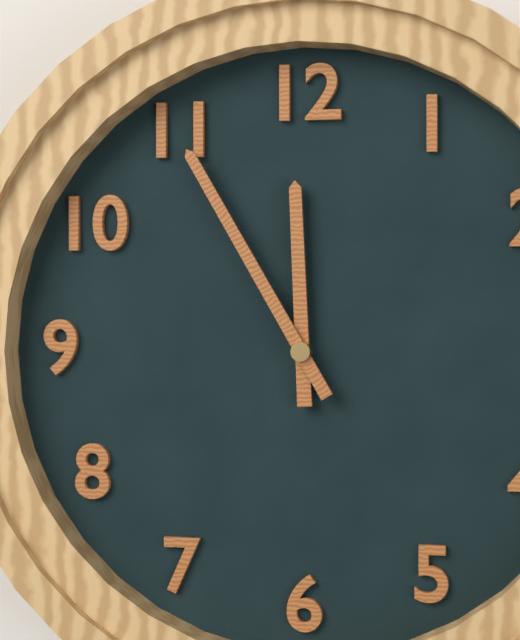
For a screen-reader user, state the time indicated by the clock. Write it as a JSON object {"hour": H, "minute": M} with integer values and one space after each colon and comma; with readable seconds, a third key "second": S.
{"hour": 11, "minute": 55}
